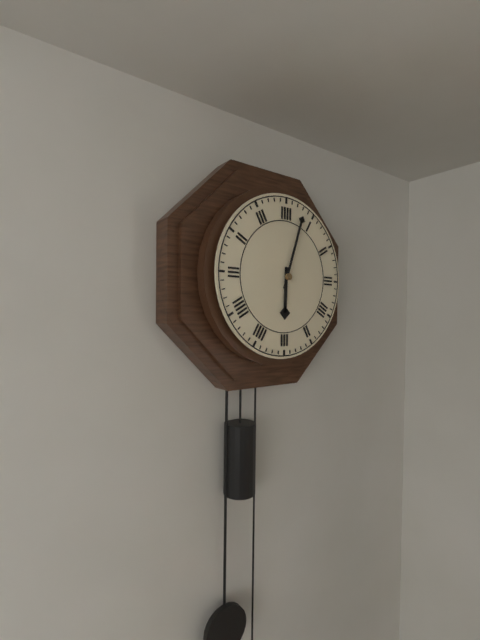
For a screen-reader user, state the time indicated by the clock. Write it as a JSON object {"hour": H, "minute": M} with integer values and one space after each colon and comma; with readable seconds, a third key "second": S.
{"hour": 6, "minute": 3}
